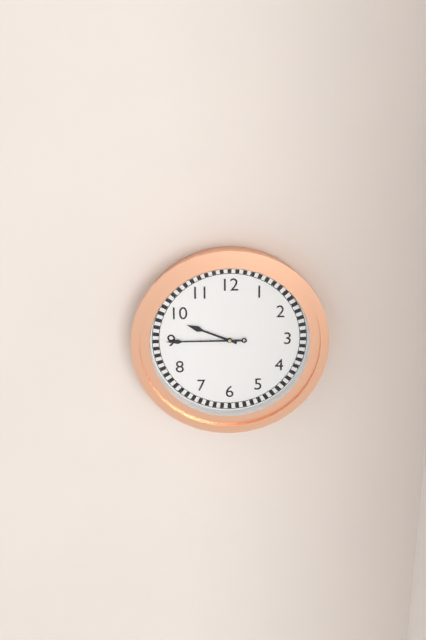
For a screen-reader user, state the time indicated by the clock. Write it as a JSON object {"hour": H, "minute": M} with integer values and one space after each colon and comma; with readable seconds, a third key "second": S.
{"hour": 9, "minute": 45}
